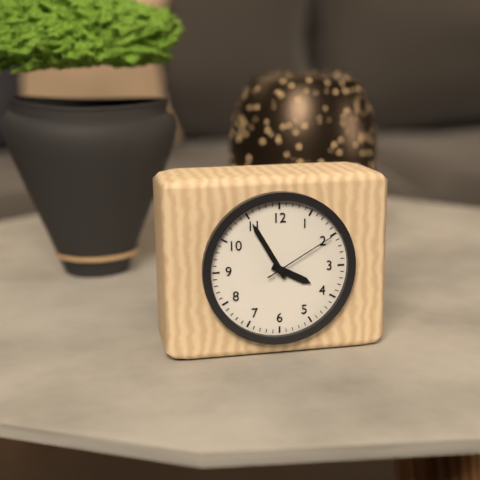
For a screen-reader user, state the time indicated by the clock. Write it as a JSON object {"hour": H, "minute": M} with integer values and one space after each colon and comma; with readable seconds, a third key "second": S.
{"hour": 3, "minute": 55, "second": 10}
